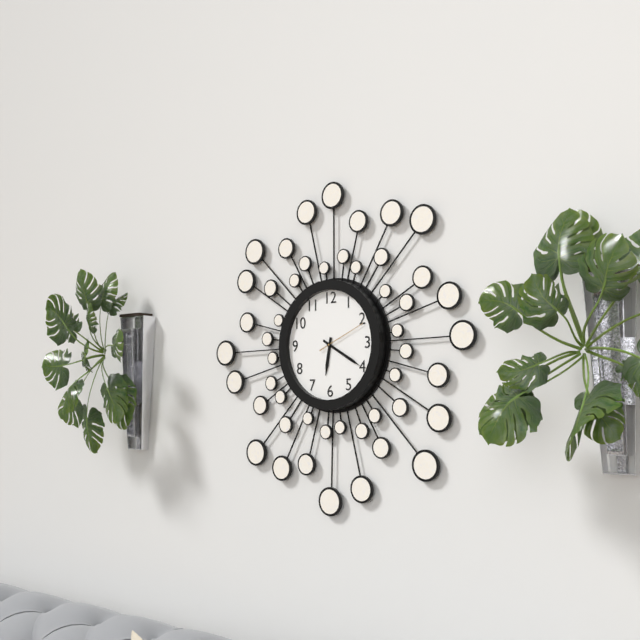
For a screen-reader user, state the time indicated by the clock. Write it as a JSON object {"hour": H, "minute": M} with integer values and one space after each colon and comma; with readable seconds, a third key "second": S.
{"hour": 6, "minute": 20, "second": 11}
